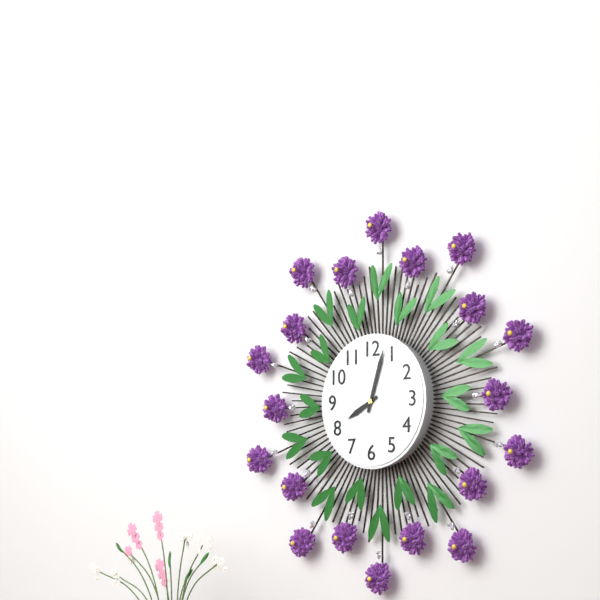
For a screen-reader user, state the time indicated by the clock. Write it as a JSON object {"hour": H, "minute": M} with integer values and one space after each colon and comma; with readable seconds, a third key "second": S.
{"hour": 8, "minute": 3}
